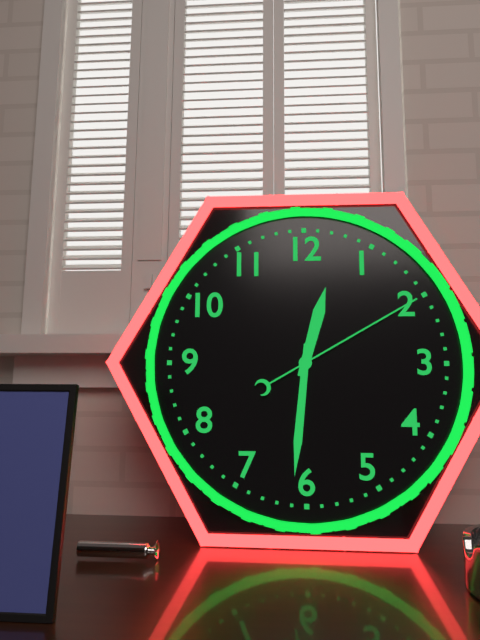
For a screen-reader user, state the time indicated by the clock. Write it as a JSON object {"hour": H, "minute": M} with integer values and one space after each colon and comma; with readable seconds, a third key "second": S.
{"hour": 12, "minute": 31, "second": 10}
